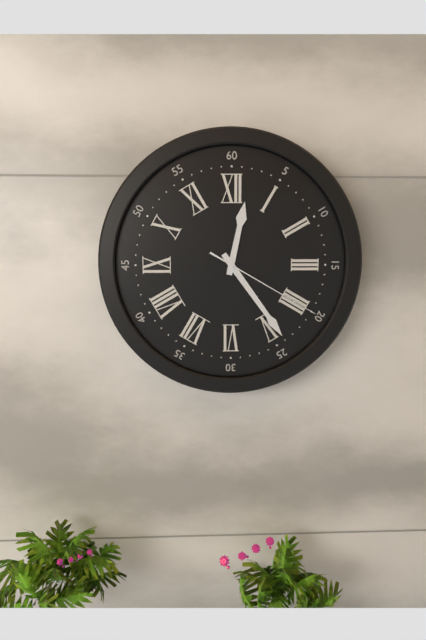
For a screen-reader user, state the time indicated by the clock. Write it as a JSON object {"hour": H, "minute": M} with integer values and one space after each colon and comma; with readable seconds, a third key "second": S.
{"hour": 12, "minute": 24, "second": 20}
